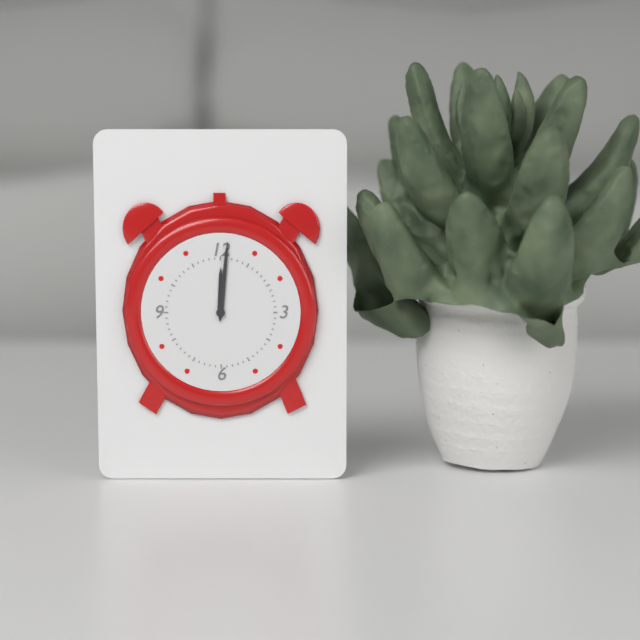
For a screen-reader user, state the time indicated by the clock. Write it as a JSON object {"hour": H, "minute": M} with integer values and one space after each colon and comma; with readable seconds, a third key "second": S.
{"hour": 12, "minute": 1}
